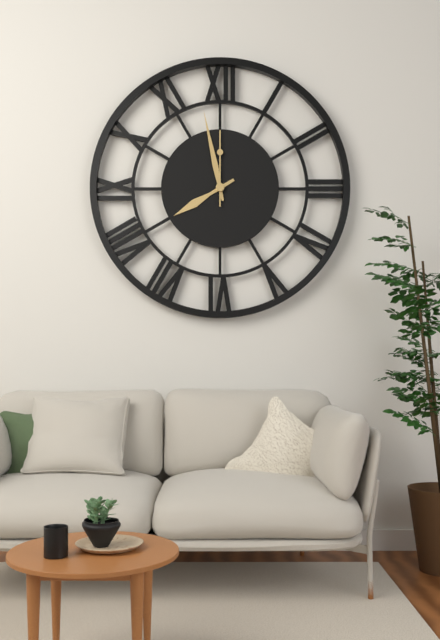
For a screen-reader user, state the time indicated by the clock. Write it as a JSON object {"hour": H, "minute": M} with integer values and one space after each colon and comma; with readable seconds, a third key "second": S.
{"hour": 7, "minute": 58, "second": 0}
